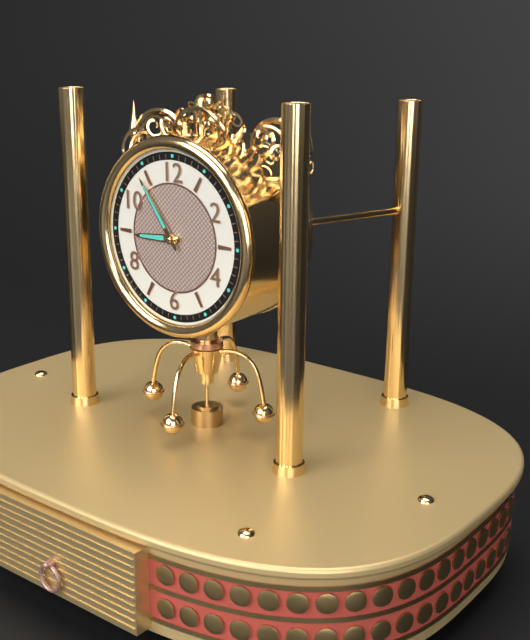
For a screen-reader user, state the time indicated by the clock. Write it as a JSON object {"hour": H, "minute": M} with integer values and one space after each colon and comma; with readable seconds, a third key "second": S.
{"hour": 8, "minute": 54}
